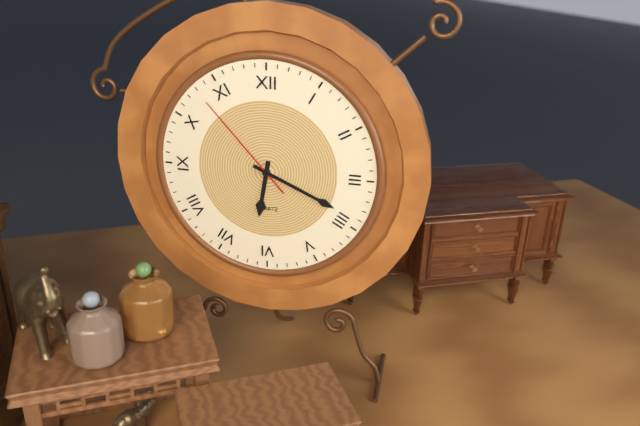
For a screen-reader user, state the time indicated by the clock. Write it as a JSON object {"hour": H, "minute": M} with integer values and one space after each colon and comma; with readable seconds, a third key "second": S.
{"hour": 6, "minute": 19, "second": 53}
